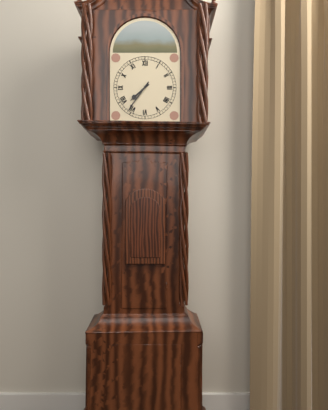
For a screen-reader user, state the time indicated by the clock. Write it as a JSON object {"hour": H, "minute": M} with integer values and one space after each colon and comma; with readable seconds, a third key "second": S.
{"hour": 7, "minute": 36}
